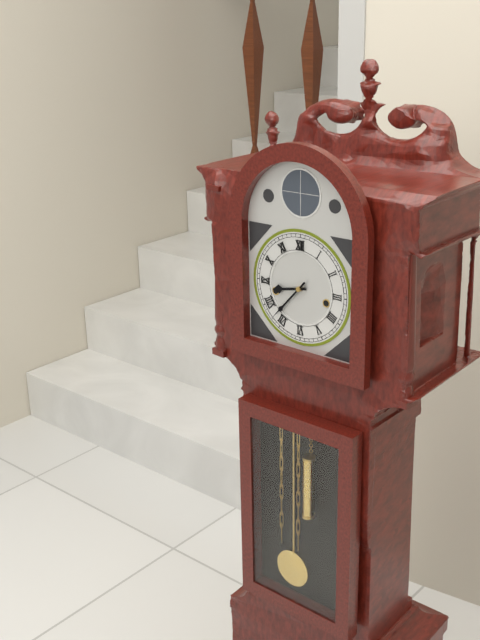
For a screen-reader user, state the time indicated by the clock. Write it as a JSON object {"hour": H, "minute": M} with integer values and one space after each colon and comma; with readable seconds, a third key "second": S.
{"hour": 8, "minute": 37}
